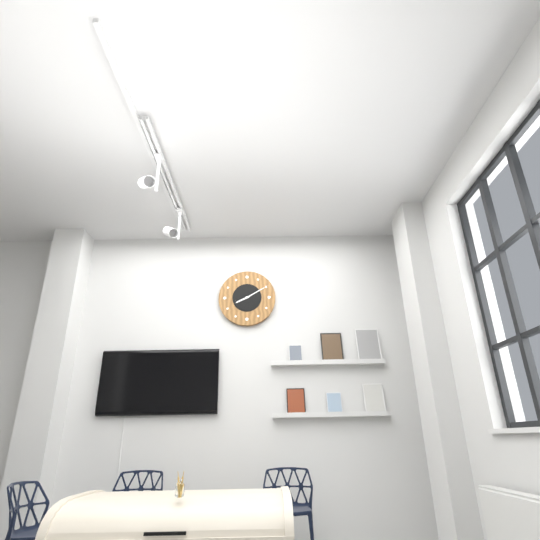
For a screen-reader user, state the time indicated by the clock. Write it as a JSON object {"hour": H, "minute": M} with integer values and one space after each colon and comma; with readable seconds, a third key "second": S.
{"hour": 8, "minute": 10}
